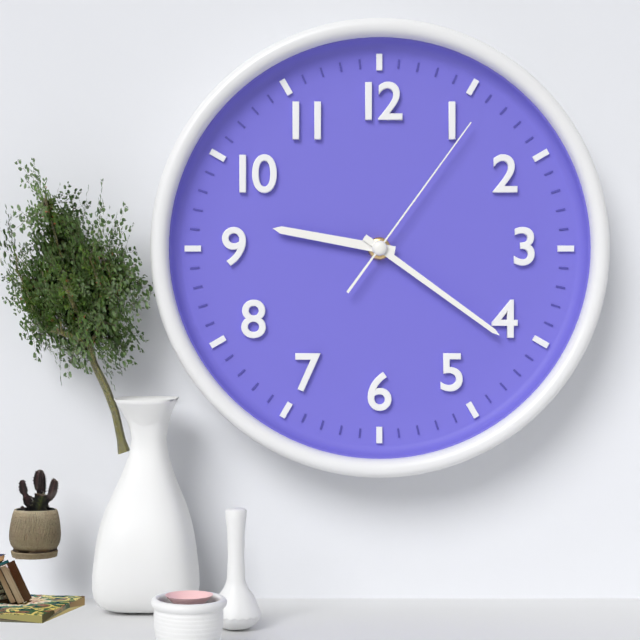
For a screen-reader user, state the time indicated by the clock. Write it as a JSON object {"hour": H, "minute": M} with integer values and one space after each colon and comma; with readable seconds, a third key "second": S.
{"hour": 9, "minute": 21, "second": 6}
